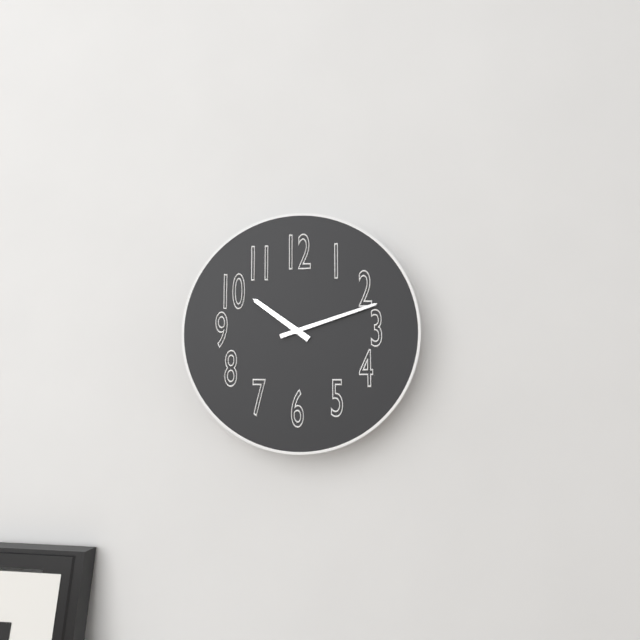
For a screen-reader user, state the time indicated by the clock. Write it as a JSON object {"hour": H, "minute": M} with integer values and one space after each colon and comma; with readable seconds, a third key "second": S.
{"hour": 10, "minute": 12}
